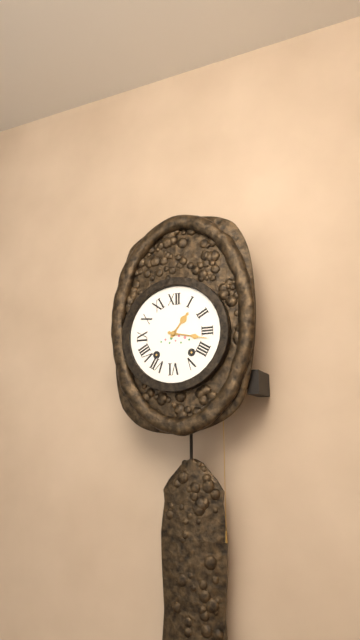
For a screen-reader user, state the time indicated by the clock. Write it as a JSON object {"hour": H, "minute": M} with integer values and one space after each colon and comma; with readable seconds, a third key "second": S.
{"hour": 1, "minute": 17}
